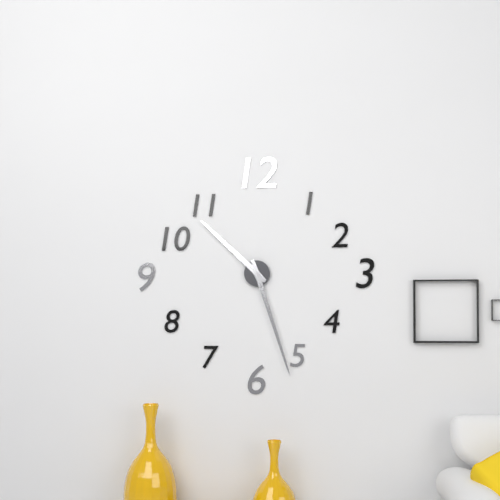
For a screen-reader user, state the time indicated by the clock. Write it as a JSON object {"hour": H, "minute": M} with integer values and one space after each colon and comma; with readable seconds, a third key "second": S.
{"hour": 10, "minute": 27}
